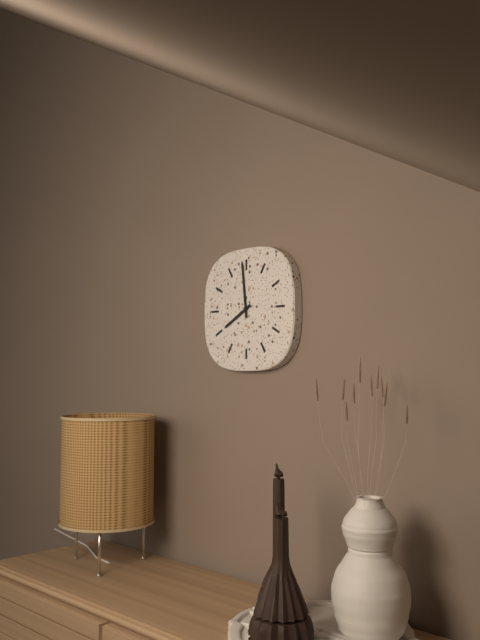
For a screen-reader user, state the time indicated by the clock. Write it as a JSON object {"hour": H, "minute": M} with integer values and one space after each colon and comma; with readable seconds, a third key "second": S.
{"hour": 7, "minute": 59}
